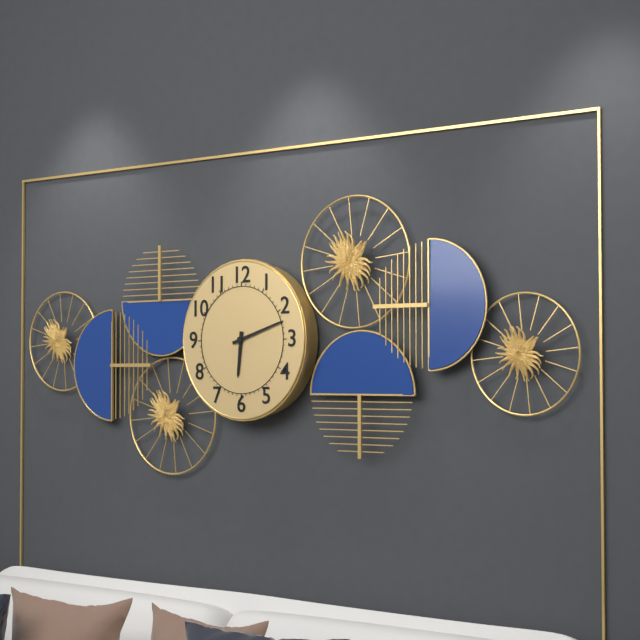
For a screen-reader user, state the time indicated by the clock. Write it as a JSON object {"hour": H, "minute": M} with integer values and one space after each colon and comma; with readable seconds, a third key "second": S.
{"hour": 6, "minute": 12}
